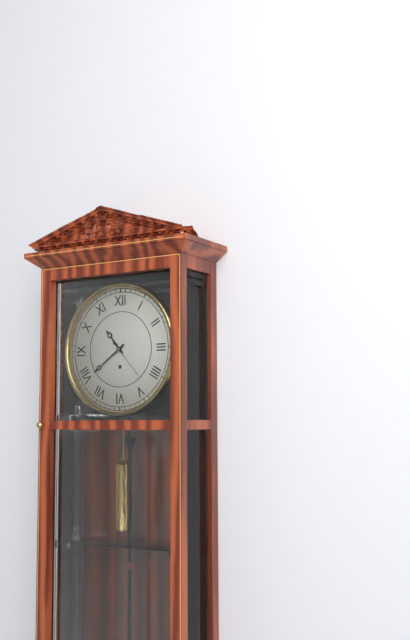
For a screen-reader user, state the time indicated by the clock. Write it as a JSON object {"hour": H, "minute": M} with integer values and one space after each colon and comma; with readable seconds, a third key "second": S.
{"hour": 10, "minute": 39}
